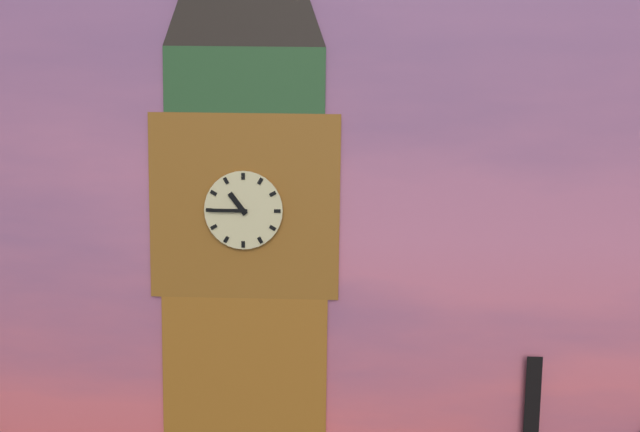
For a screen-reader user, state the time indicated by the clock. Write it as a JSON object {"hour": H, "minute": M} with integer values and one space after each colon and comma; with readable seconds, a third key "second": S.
{"hour": 10, "minute": 45}
